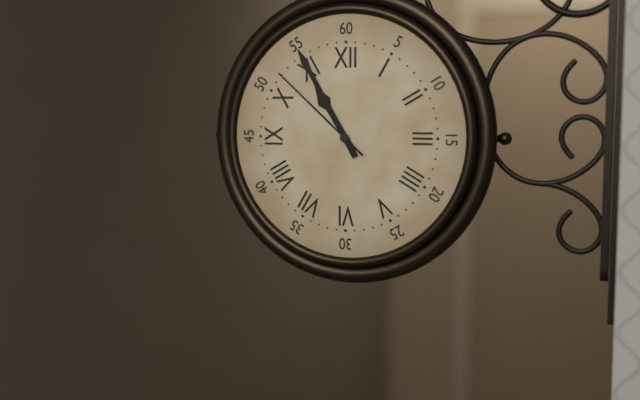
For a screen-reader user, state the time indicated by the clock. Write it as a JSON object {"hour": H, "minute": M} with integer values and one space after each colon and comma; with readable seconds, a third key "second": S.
{"hour": 10, "minute": 55, "second": 52}
